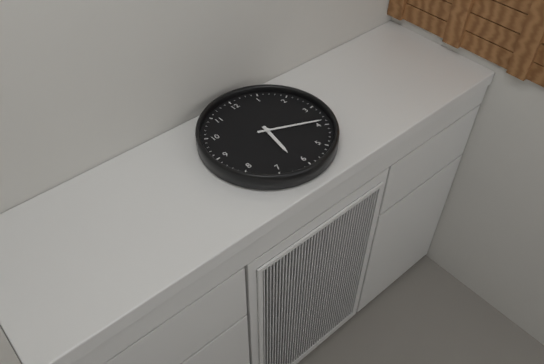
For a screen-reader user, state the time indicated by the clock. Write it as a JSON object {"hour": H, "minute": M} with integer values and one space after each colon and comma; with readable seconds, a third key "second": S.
{"hour": 6, "minute": 19}
